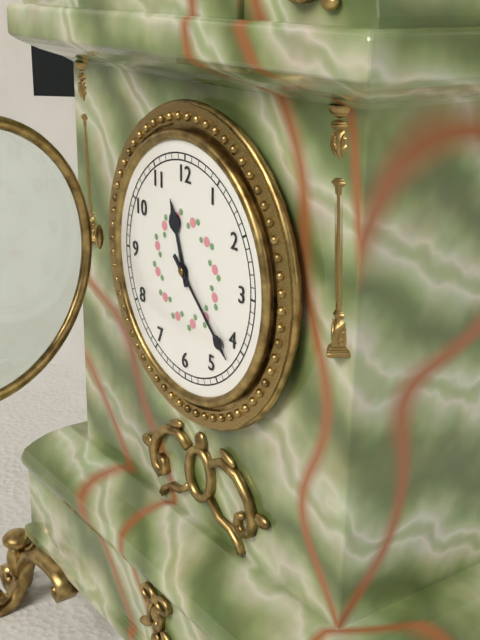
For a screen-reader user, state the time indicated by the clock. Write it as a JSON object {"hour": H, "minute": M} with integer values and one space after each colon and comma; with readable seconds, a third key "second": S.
{"hour": 11, "minute": 22}
